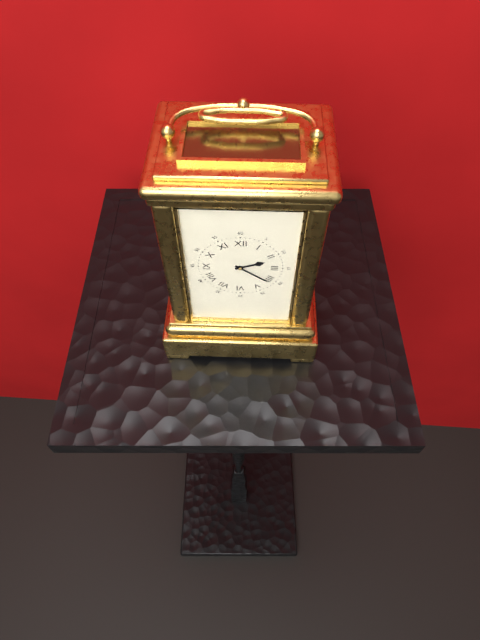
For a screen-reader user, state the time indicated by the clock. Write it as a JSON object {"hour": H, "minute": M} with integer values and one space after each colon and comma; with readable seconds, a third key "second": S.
{"hour": 2, "minute": 21}
